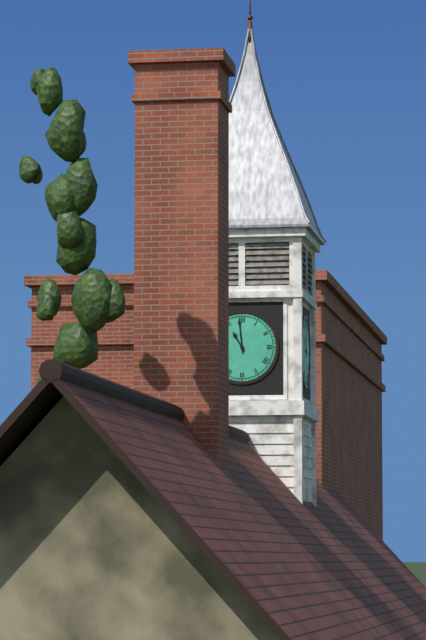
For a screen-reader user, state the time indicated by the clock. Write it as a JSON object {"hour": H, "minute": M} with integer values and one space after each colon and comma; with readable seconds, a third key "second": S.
{"hour": 10, "minute": 59}
